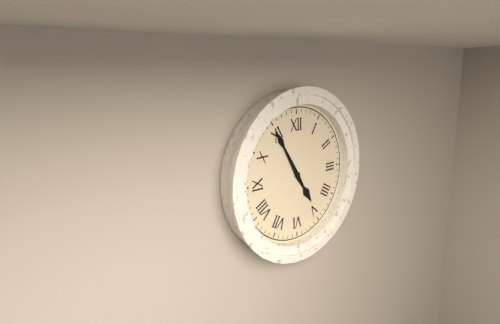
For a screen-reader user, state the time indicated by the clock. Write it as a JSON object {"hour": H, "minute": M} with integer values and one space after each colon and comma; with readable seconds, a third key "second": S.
{"hour": 4, "minute": 55}
